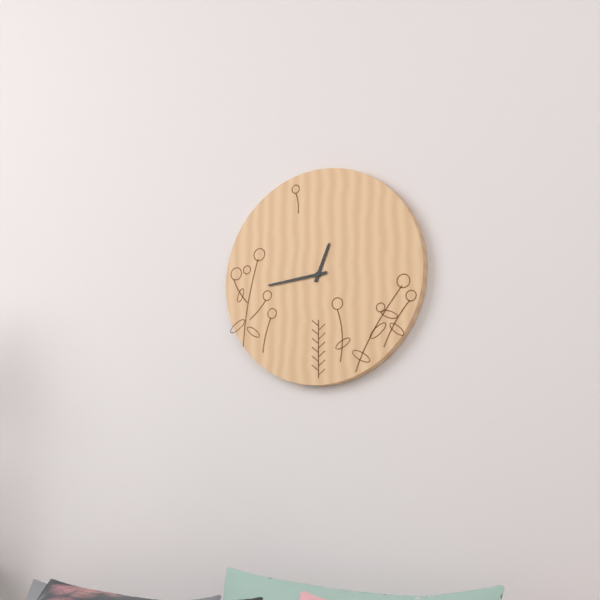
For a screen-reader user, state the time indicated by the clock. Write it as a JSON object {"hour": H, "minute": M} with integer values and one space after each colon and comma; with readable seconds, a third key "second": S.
{"hour": 12, "minute": 44}
